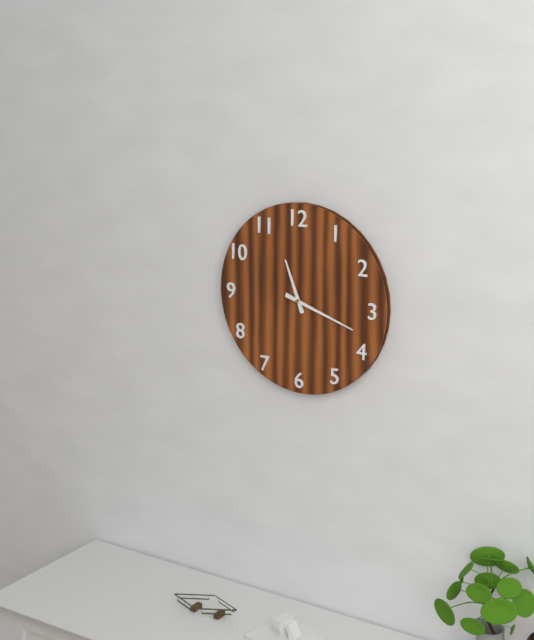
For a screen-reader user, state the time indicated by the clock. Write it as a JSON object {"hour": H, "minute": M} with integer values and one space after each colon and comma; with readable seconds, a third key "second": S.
{"hour": 11, "minute": 18}
